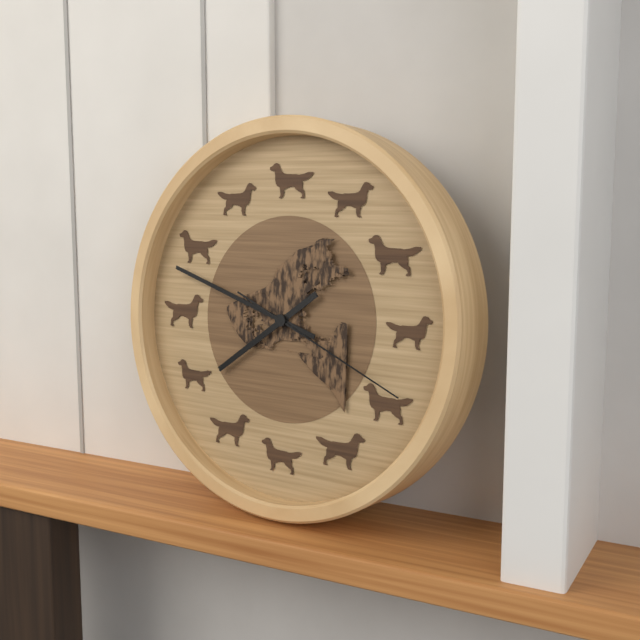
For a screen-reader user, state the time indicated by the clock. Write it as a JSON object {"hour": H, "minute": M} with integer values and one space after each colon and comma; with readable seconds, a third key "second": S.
{"hour": 7, "minute": 48, "second": 19}
